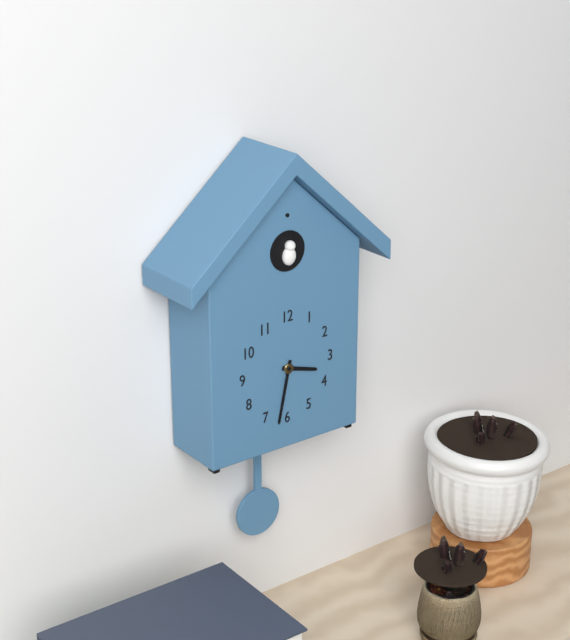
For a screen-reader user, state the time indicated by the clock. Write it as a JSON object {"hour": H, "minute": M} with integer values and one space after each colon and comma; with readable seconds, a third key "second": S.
{"hour": 3, "minute": 32}
